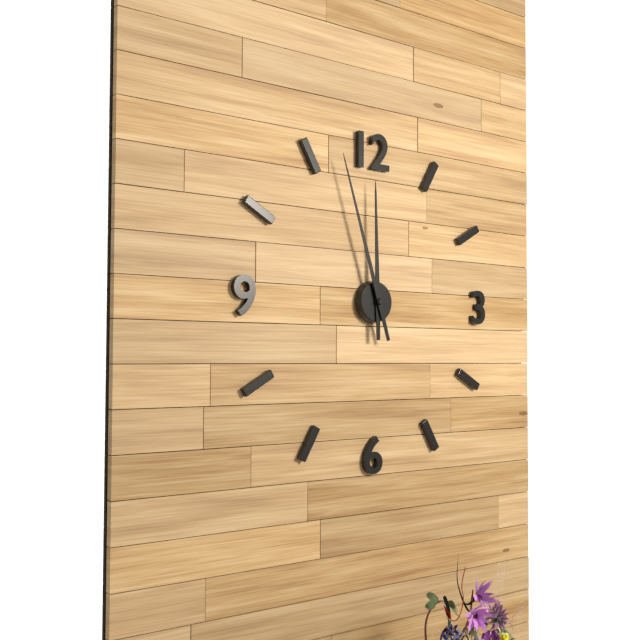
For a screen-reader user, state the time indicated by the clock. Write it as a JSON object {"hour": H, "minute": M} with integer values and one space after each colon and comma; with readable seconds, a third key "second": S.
{"hour": 11, "minute": 57}
